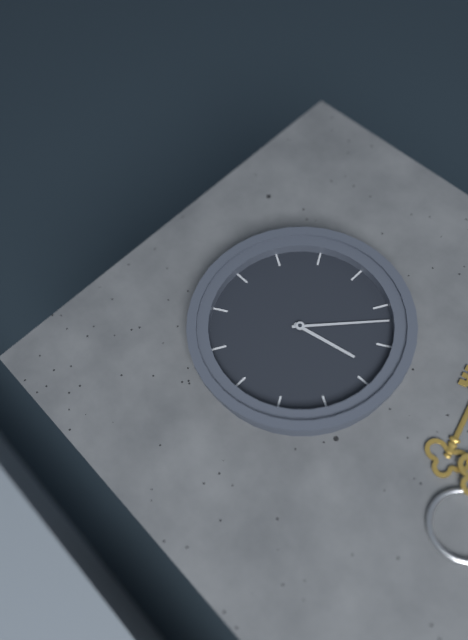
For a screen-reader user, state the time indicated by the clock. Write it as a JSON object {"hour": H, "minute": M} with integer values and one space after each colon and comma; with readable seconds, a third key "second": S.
{"hour": 8, "minute": 37}
